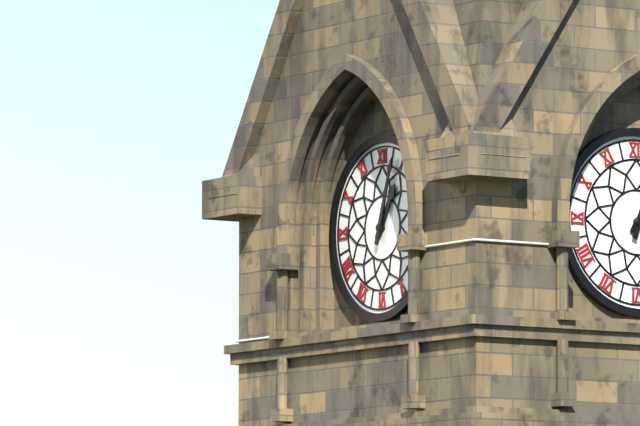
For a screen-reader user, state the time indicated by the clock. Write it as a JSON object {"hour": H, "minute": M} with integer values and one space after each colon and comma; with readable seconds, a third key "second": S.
{"hour": 1, "minute": 3}
